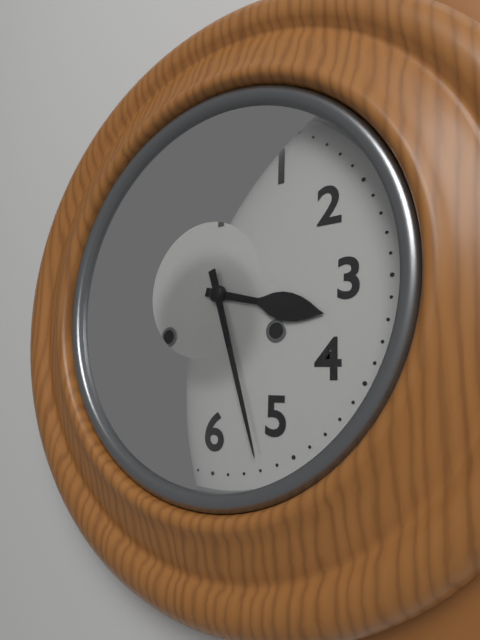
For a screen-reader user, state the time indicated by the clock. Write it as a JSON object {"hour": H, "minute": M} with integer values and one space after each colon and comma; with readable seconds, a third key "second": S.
{"hour": 3, "minute": 27}
